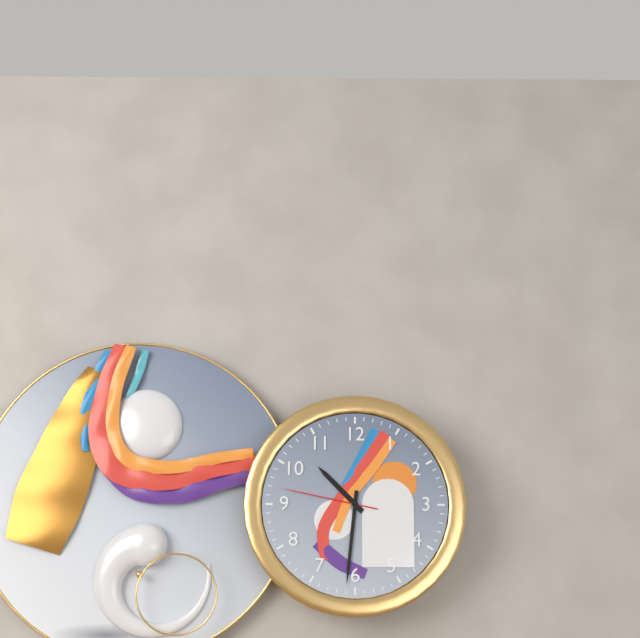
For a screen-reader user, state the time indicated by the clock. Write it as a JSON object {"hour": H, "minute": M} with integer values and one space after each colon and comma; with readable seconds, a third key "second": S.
{"hour": 10, "minute": 31, "second": 47}
